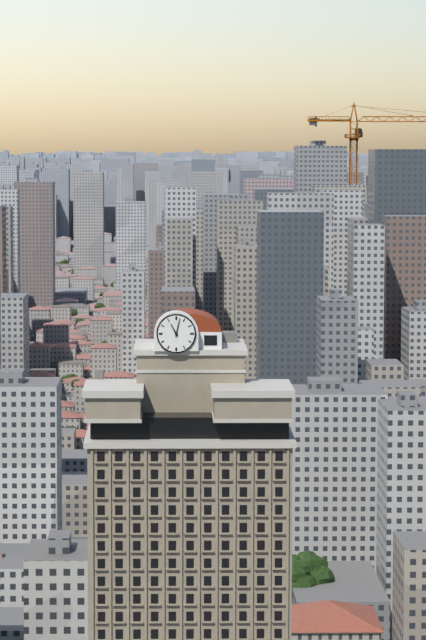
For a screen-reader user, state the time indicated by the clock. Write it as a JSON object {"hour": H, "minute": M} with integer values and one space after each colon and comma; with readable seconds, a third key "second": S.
{"hour": 11, "minute": 2}
